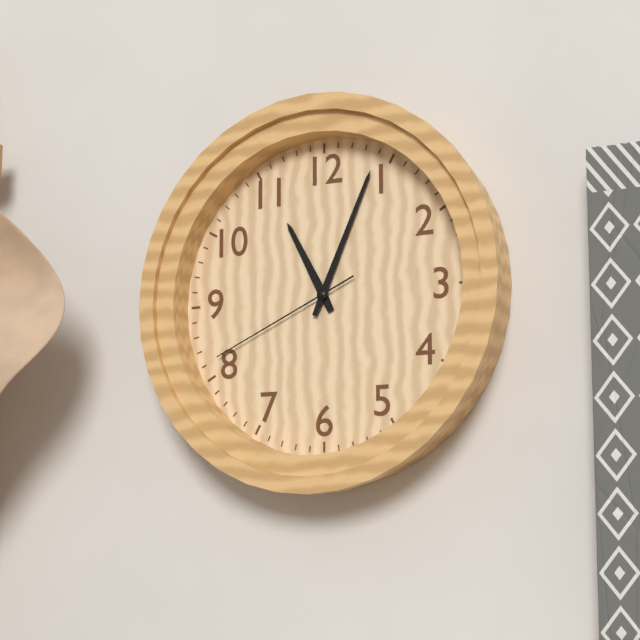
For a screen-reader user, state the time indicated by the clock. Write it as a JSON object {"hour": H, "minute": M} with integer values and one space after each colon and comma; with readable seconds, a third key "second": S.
{"hour": 11, "minute": 4, "second": 41}
